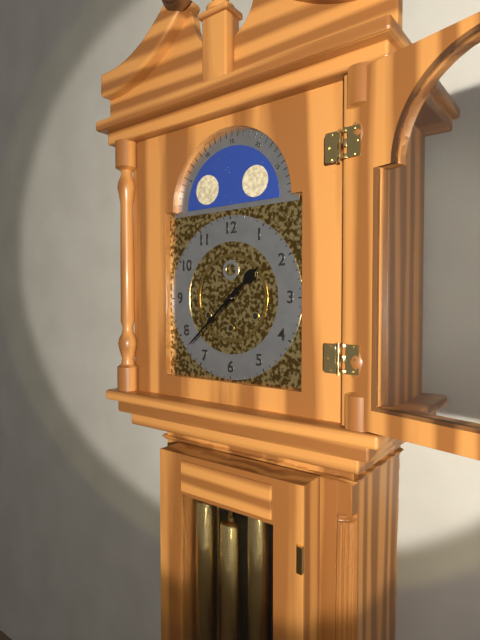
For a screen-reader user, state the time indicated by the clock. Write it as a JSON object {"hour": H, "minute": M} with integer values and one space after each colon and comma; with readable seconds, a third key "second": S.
{"hour": 1, "minute": 38}
